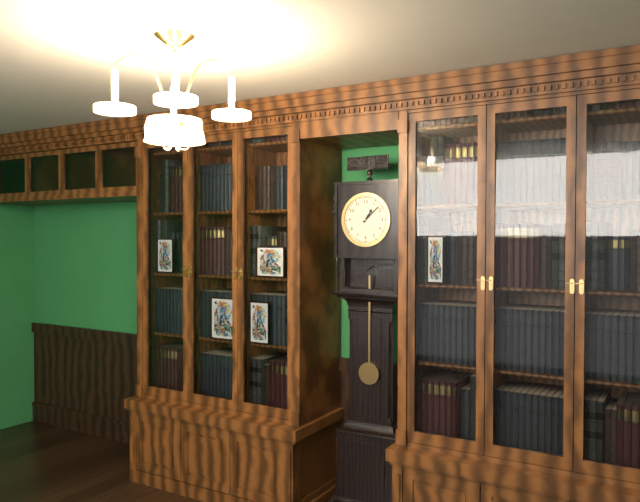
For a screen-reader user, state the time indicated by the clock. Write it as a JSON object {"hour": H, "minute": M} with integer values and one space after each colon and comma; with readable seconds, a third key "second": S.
{"hour": 1, "minute": 8}
